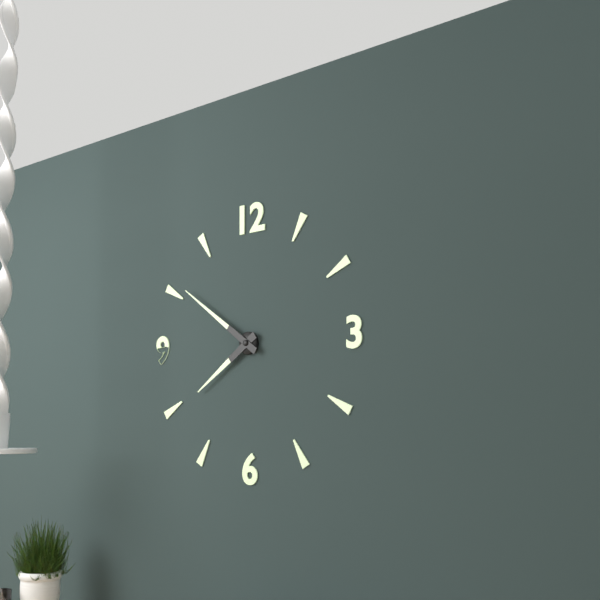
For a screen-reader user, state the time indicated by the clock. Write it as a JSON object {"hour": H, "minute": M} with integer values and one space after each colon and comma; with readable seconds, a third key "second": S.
{"hour": 7, "minute": 51}
